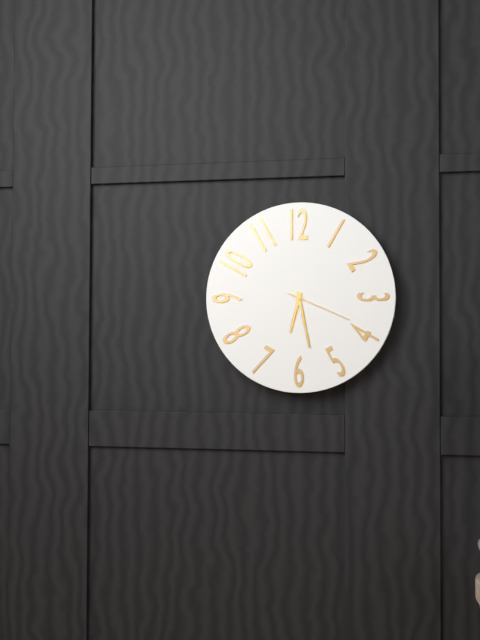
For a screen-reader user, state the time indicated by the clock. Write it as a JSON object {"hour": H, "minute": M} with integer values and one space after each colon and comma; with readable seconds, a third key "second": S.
{"hour": 6, "minute": 28, "second": 19}
